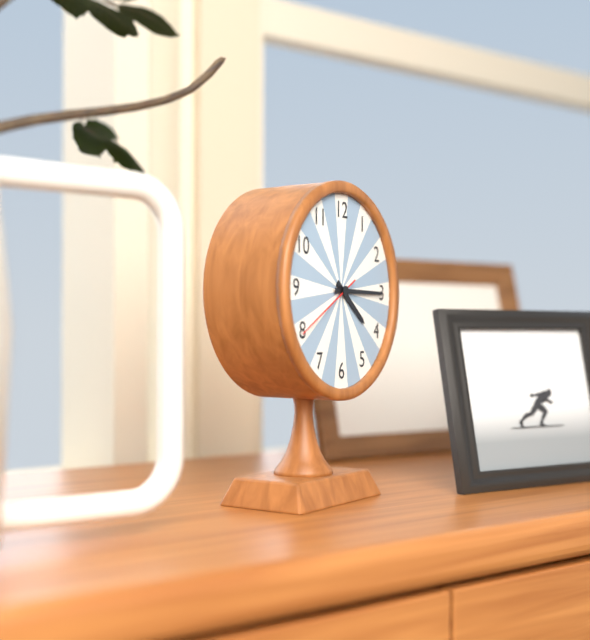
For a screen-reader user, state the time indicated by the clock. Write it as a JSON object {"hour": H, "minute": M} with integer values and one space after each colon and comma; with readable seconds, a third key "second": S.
{"hour": 4, "minute": 15, "second": 40}
